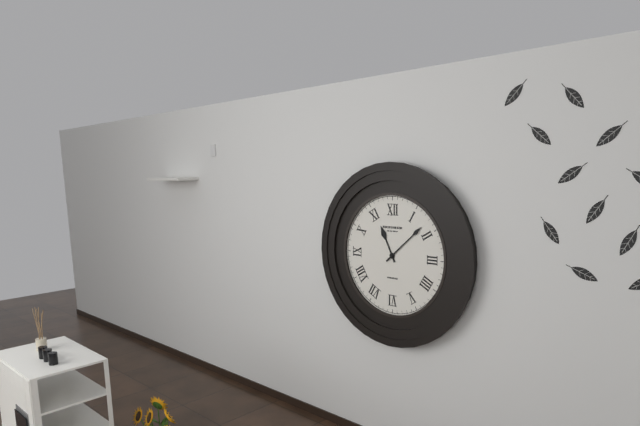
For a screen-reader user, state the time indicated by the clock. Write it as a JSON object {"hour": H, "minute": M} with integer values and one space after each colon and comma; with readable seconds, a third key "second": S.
{"hour": 11, "minute": 8}
